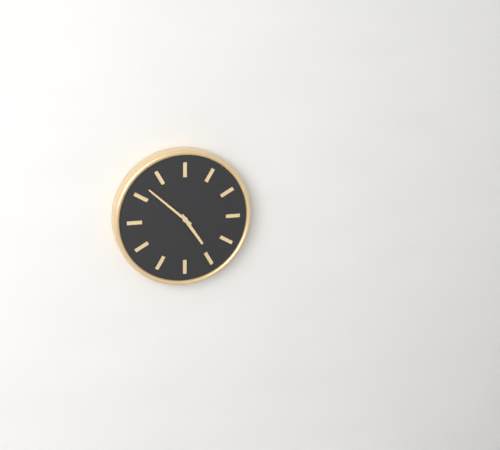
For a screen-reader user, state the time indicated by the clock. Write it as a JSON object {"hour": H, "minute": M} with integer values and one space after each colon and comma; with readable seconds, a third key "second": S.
{"hour": 4, "minute": 52}
